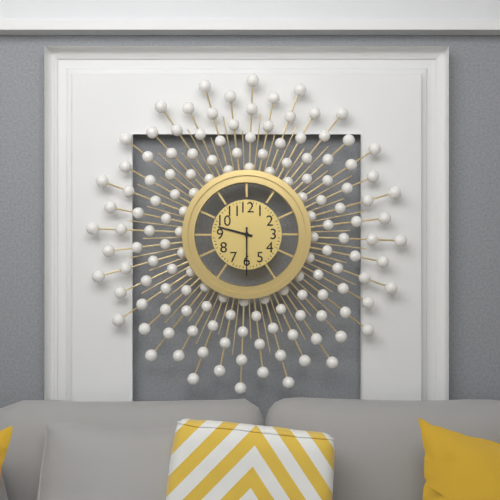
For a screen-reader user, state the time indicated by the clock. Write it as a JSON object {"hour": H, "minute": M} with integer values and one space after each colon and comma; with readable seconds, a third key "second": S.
{"hour": 9, "minute": 30}
